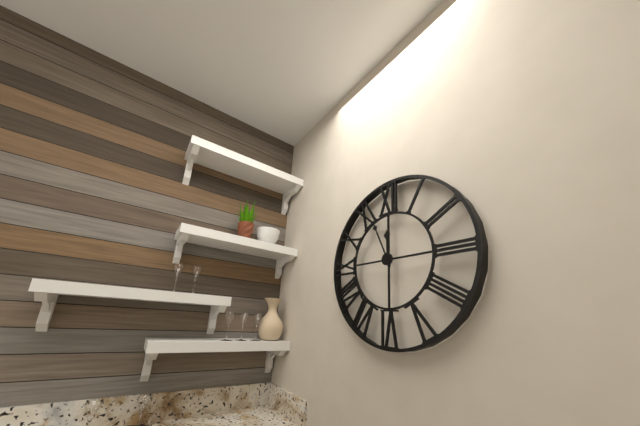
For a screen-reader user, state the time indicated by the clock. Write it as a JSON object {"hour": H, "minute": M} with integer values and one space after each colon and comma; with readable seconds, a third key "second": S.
{"hour": 11, "minute": 56}
